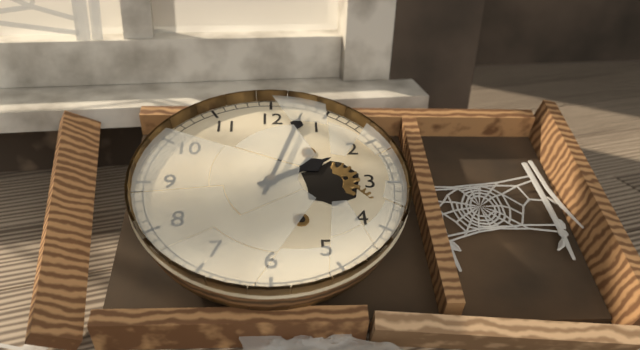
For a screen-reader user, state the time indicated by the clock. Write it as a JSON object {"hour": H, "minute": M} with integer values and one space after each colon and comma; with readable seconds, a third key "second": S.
{"hour": 2, "minute": 3}
